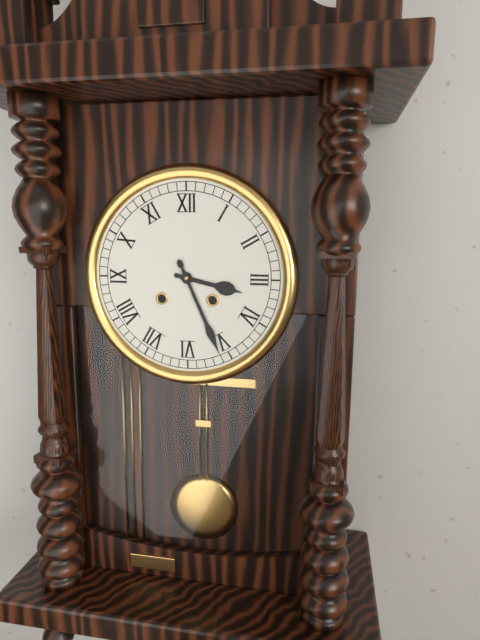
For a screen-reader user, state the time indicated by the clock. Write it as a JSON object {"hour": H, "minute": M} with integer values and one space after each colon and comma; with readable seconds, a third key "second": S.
{"hour": 3, "minute": 26}
